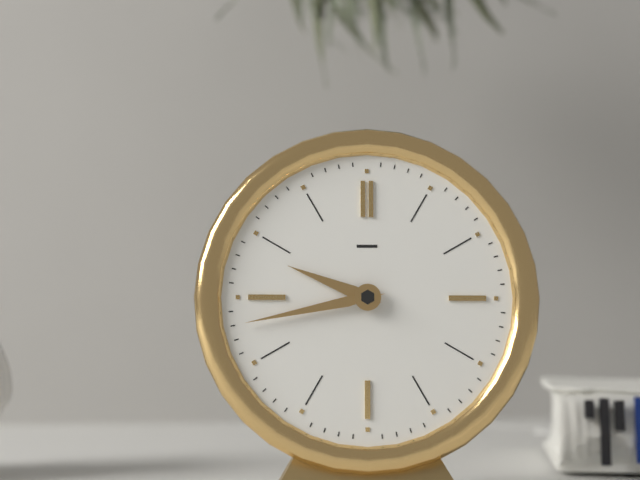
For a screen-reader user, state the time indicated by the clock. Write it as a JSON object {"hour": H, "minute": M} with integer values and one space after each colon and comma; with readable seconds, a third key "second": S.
{"hour": 9, "minute": 43}
